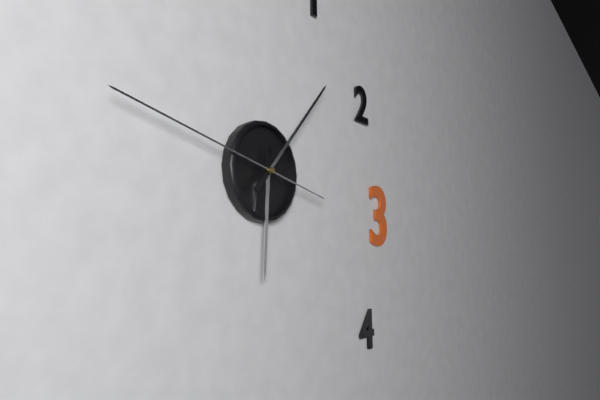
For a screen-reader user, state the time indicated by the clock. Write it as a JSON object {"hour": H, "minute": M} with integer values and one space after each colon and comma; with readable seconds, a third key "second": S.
{"hour": 6, "minute": 7, "second": 47}
